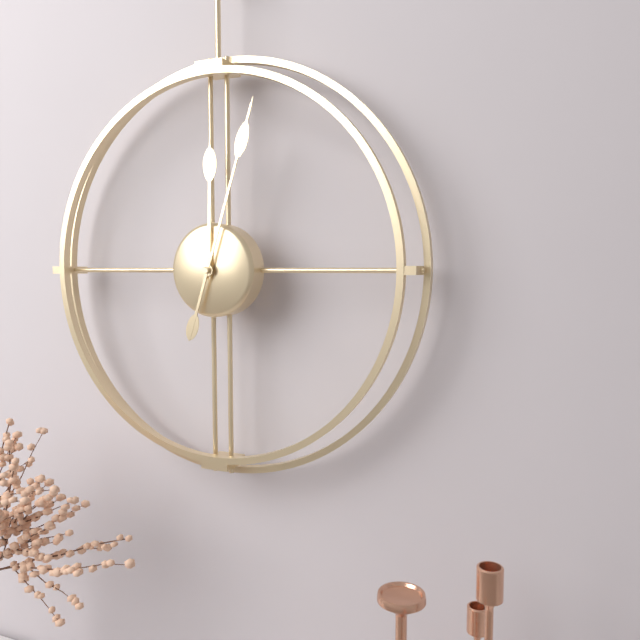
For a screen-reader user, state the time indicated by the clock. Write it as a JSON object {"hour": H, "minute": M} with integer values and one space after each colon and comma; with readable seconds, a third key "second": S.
{"hour": 12, "minute": 3}
